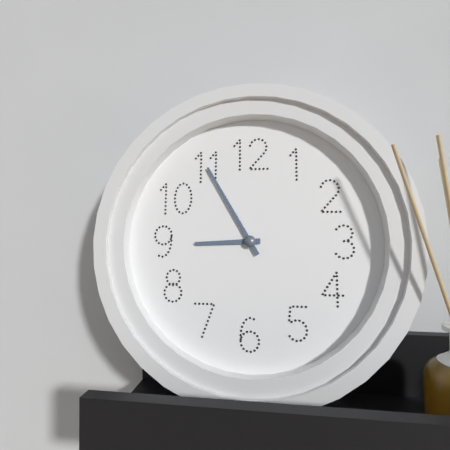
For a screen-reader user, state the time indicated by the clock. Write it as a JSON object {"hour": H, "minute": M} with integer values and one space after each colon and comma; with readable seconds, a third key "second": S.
{"hour": 8, "minute": 55}
